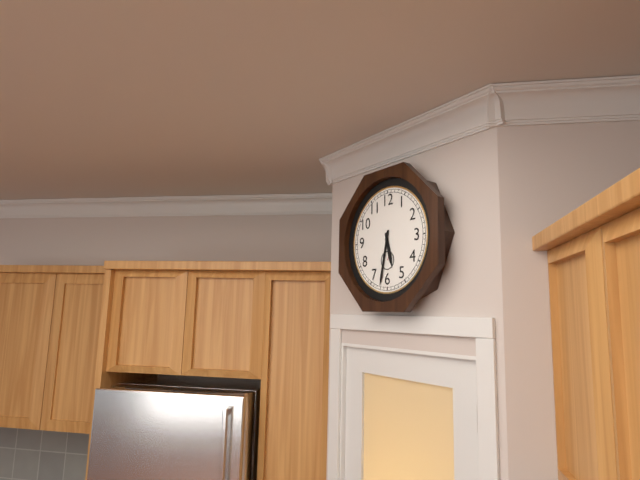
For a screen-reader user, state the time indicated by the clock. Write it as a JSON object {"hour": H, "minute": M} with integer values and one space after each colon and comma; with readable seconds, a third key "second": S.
{"hour": 5, "minute": 32}
